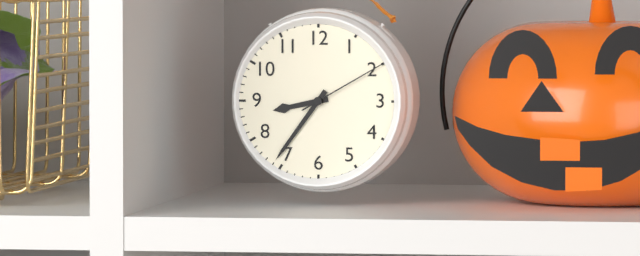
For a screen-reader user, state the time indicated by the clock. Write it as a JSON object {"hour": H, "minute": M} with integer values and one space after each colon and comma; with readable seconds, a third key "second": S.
{"hour": 8, "minute": 36, "second": 10}
